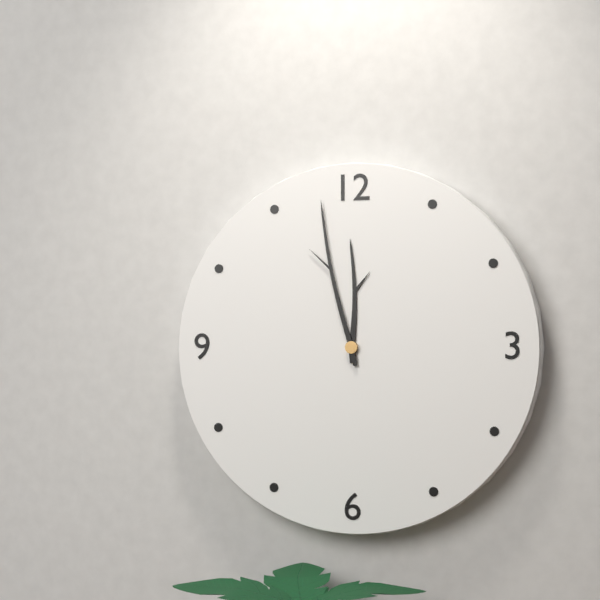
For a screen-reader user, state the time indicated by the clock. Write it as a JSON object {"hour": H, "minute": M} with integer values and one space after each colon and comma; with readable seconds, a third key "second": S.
{"hour": 11, "minute": 58}
